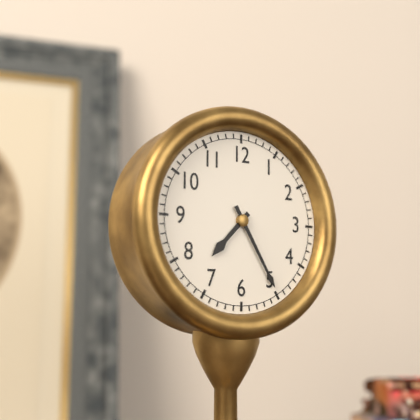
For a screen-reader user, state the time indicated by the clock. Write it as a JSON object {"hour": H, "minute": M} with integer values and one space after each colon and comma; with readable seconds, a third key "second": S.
{"hour": 7, "minute": 25}
